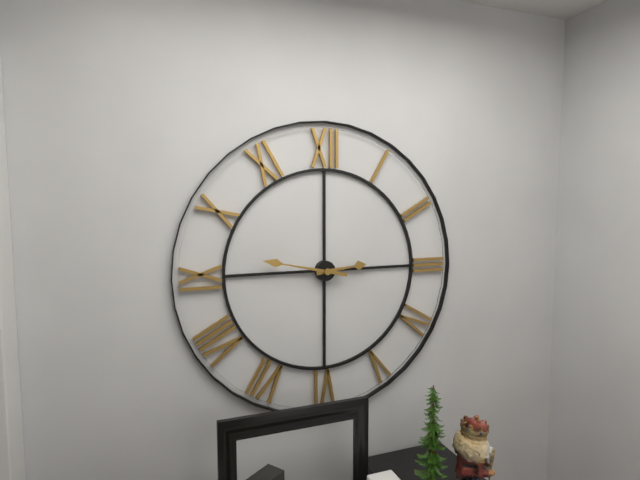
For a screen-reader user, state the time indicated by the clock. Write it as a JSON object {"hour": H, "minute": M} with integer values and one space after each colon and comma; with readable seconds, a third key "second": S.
{"hour": 2, "minute": 47}
